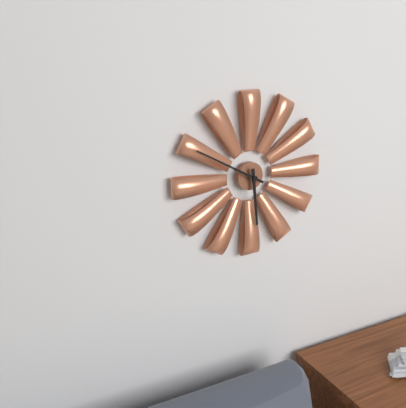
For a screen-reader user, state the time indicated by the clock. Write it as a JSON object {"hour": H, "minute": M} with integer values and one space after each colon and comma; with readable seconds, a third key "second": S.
{"hour": 5, "minute": 50}
